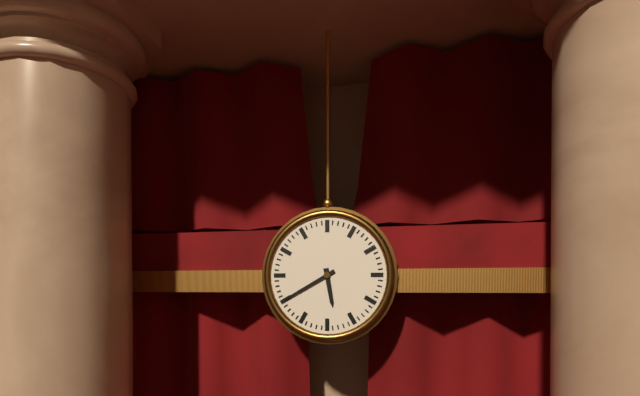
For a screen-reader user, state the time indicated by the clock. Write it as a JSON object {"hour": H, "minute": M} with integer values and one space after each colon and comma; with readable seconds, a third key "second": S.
{"hour": 5, "minute": 40}
